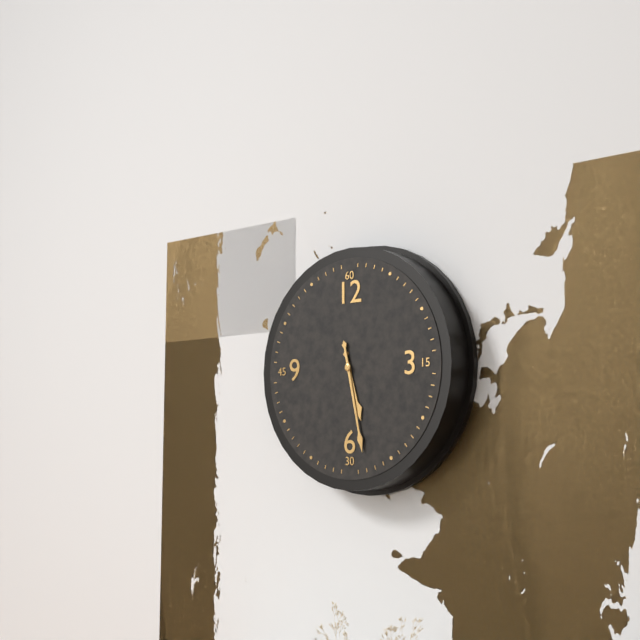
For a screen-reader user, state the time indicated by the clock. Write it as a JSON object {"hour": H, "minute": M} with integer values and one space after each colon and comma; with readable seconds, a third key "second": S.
{"hour": 5, "minute": 28}
